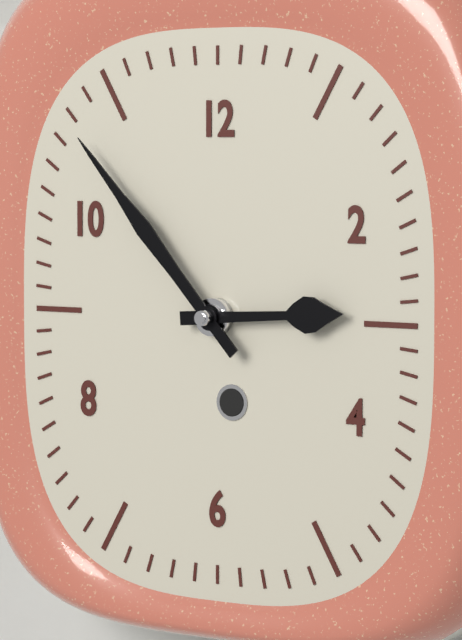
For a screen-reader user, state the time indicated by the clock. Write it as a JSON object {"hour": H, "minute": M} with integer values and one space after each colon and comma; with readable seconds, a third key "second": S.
{"hour": 2, "minute": 53}
